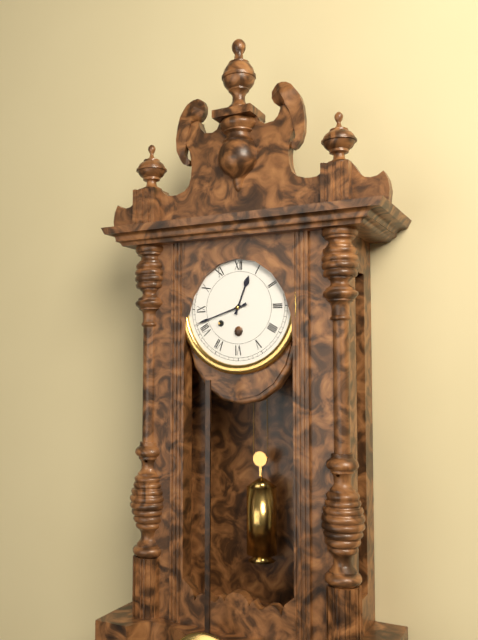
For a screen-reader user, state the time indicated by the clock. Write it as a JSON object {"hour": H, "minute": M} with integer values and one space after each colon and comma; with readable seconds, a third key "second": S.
{"hour": 12, "minute": 42}
